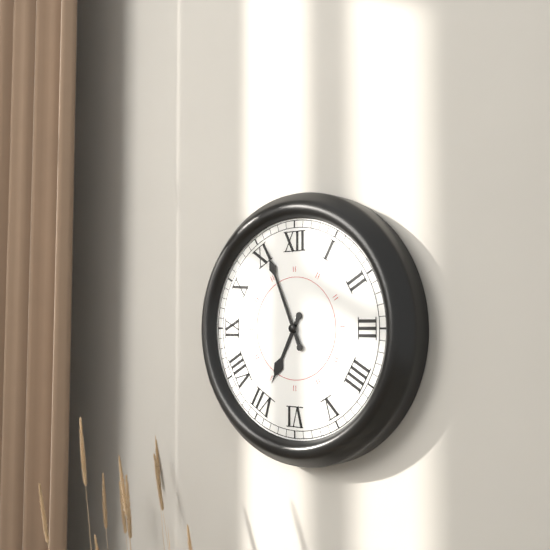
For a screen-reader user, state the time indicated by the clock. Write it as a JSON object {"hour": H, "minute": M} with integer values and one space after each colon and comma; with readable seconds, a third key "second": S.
{"hour": 6, "minute": 56}
